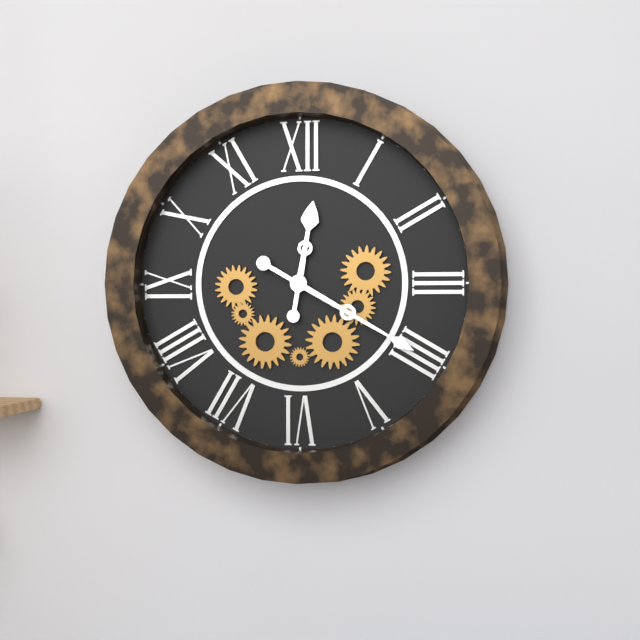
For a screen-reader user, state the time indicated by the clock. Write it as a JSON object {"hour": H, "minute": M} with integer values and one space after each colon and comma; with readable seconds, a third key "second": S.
{"hour": 12, "minute": 20}
